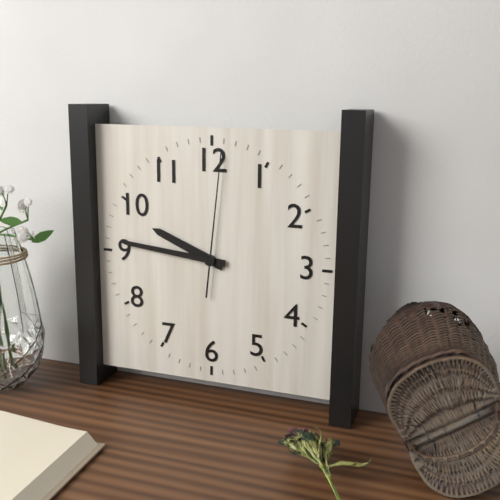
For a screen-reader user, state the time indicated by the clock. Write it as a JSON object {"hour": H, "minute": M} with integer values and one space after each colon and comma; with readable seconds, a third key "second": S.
{"hour": 9, "minute": 46, "second": 1}
